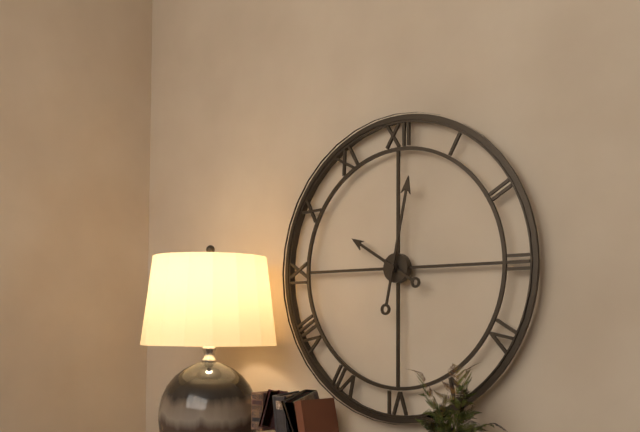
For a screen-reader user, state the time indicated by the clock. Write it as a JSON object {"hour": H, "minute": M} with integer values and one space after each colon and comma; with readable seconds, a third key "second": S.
{"hour": 10, "minute": 2}
